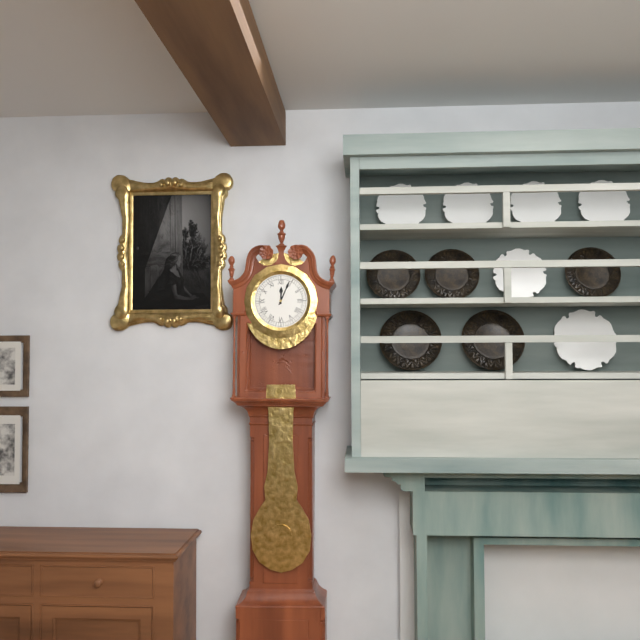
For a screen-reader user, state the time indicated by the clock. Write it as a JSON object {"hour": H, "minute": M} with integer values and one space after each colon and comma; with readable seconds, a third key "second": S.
{"hour": 12, "minute": 4}
